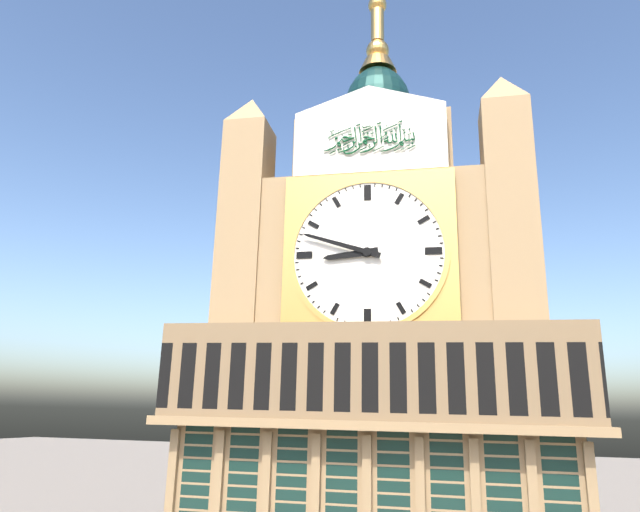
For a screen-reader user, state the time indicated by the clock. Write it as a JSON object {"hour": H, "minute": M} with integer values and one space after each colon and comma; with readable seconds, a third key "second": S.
{"hour": 8, "minute": 48}
